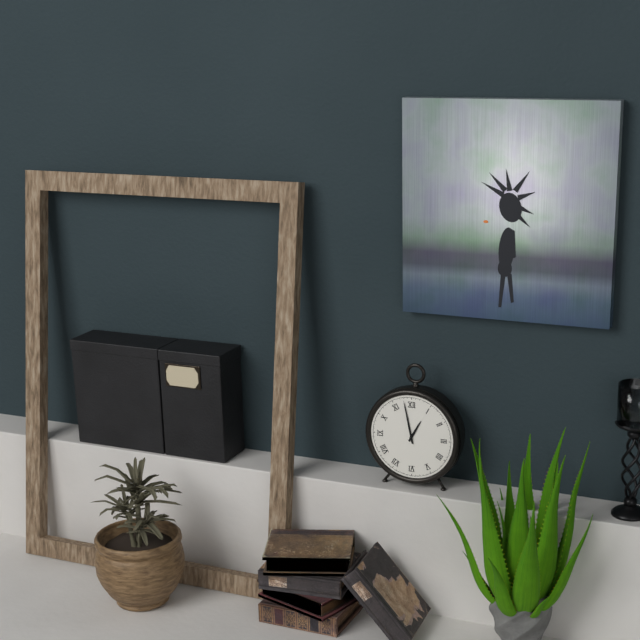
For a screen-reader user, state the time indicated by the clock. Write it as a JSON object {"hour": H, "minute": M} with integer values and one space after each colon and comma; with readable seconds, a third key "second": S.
{"hour": 12, "minute": 58}
